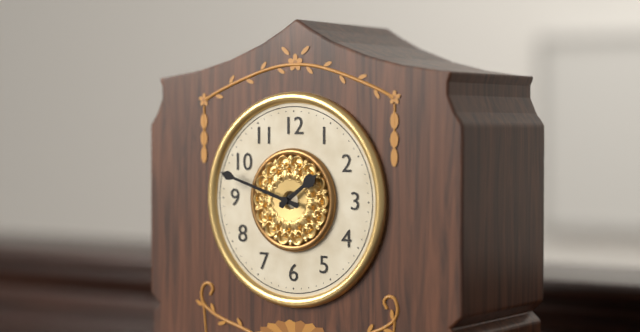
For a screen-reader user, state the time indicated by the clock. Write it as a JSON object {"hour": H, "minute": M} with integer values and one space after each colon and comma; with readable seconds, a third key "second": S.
{"hour": 1, "minute": 48}
